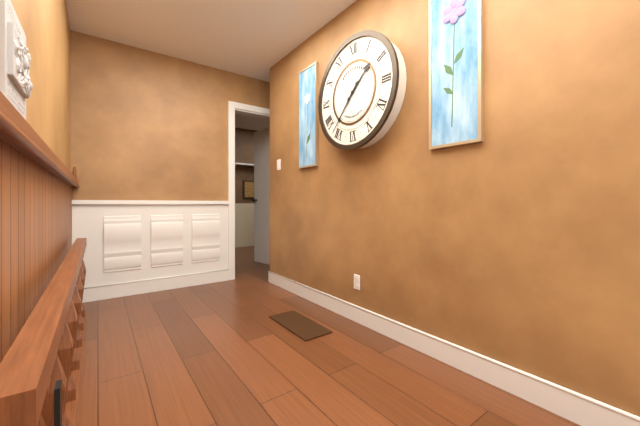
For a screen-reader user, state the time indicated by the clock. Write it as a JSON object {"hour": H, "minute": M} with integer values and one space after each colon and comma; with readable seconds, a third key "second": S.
{"hour": 1, "minute": 37}
